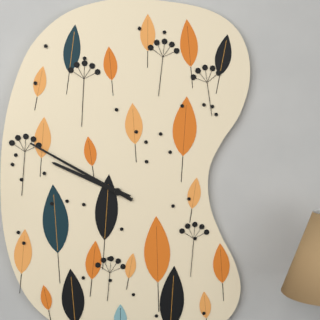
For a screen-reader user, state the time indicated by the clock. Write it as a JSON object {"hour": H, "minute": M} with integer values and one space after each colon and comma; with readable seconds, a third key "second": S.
{"hour": 9, "minute": 50}
